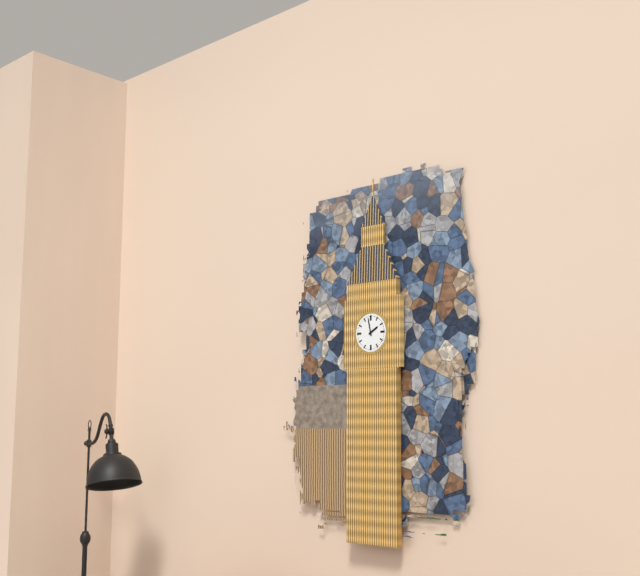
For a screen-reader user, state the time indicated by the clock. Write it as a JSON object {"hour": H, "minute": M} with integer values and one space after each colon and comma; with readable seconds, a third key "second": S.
{"hour": 1, "minute": 58}
